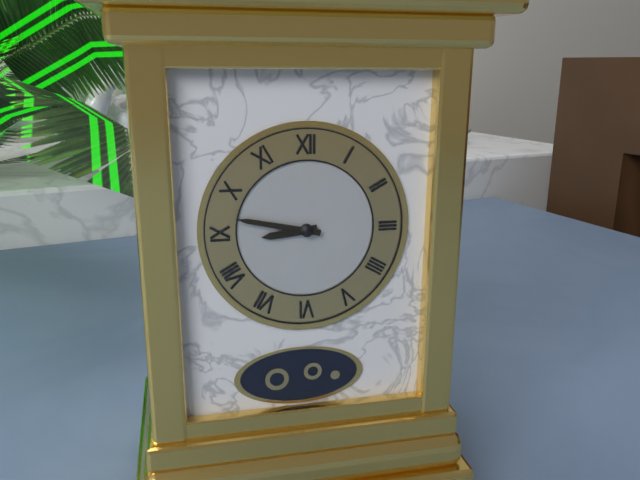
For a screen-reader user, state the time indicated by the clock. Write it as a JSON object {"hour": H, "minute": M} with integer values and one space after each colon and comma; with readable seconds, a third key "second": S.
{"hour": 8, "minute": 47}
